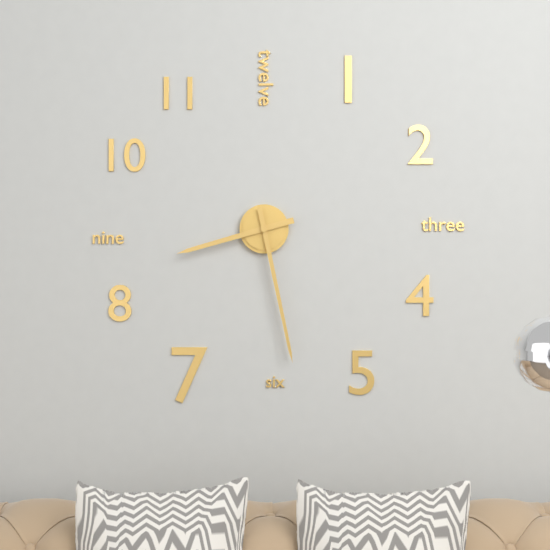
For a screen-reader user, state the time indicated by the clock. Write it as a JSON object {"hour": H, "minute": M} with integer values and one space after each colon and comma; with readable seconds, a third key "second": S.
{"hour": 8, "minute": 28}
